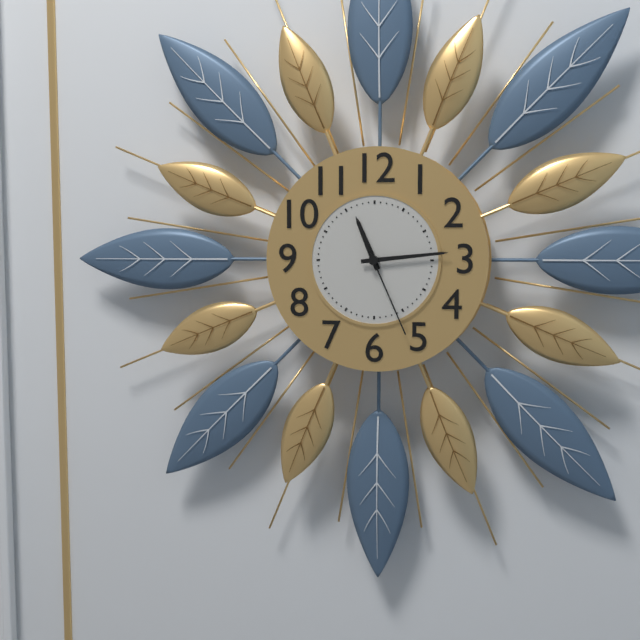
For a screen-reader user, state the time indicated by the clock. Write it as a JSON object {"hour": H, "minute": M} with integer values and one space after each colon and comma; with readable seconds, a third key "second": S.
{"hour": 11, "minute": 14, "second": 26}
